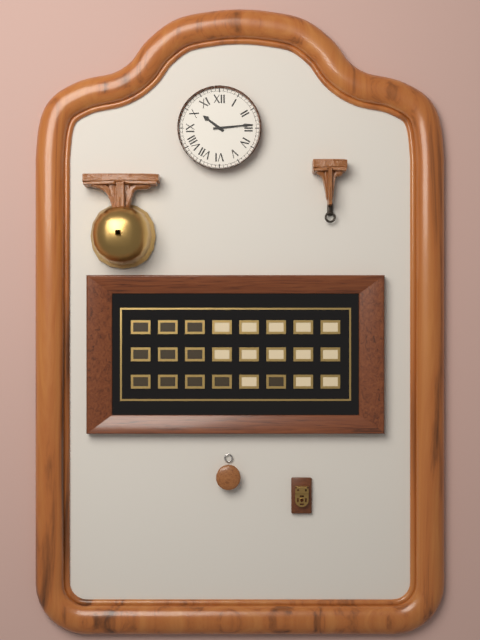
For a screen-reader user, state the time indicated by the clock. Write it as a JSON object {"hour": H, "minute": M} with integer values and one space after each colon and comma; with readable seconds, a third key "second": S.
{"hour": 10, "minute": 14}
